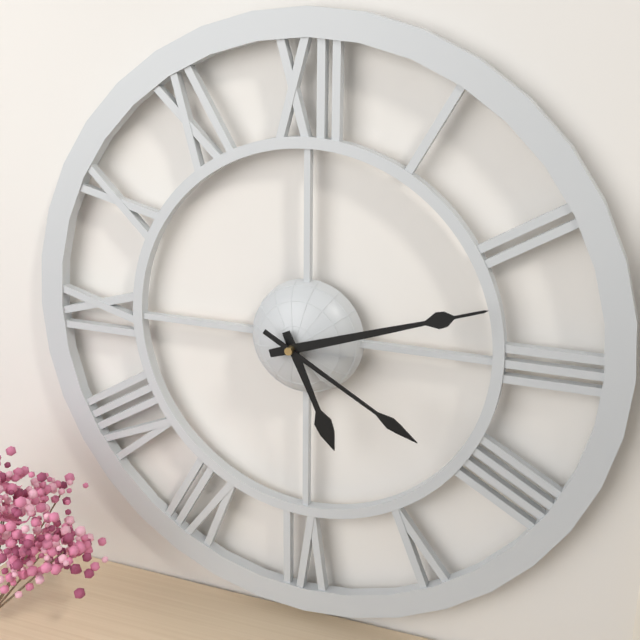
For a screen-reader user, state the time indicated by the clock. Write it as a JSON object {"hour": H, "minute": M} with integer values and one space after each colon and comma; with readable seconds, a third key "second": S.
{"hour": 5, "minute": 12, "second": 20}
